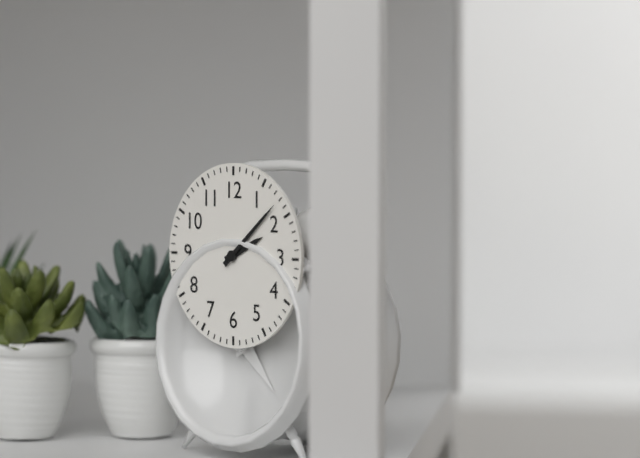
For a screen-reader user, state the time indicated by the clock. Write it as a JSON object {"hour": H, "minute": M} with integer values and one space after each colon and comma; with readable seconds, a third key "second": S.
{"hour": 2, "minute": 8}
